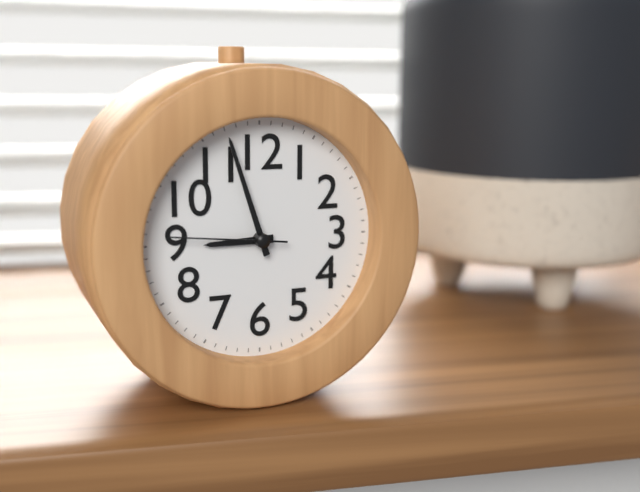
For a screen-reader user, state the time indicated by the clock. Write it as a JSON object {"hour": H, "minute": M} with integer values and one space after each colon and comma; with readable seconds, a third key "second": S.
{"hour": 8, "minute": 57, "second": 46}
